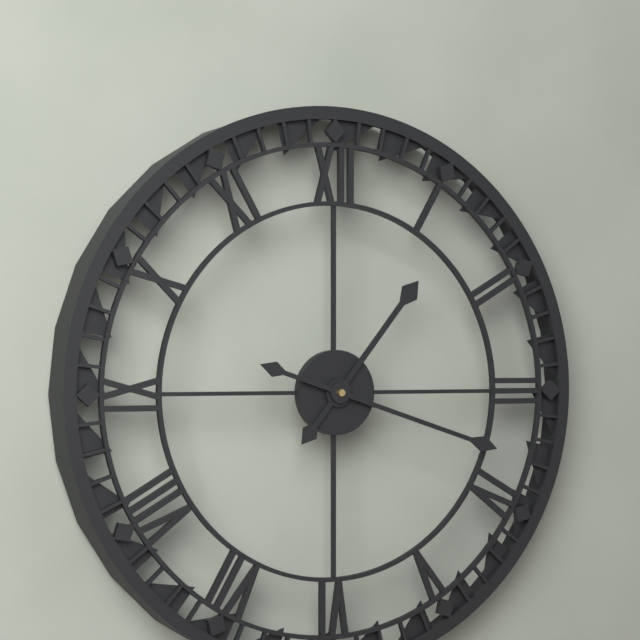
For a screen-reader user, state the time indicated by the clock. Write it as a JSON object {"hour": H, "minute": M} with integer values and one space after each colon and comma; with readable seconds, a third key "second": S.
{"hour": 1, "minute": 18}
